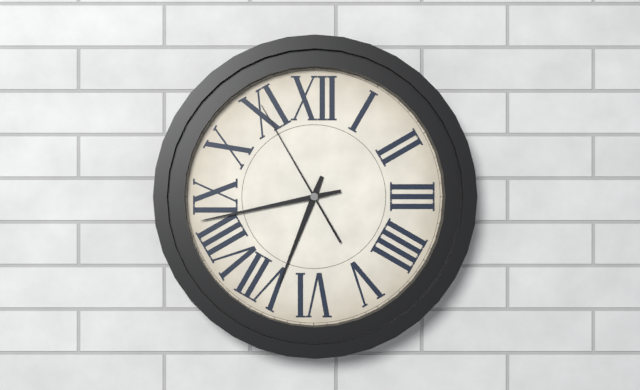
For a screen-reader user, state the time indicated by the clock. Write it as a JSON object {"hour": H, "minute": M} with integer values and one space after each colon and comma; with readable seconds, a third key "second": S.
{"hour": 6, "minute": 43, "second": 55}
